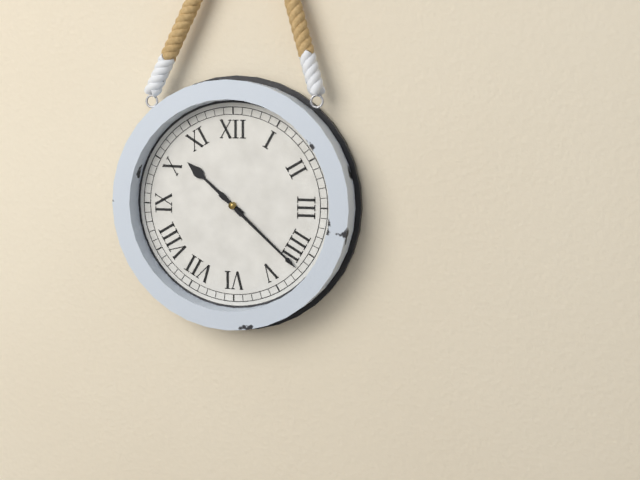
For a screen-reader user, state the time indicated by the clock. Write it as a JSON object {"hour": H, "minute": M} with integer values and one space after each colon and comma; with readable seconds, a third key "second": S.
{"hour": 10, "minute": 22}
